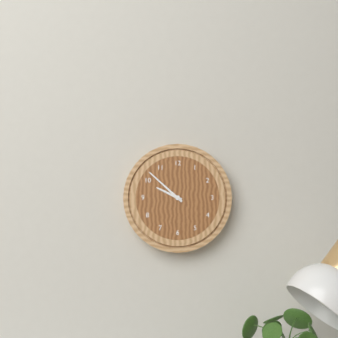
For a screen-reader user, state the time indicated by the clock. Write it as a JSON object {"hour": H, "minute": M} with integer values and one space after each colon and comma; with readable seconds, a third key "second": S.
{"hour": 9, "minute": 52}
